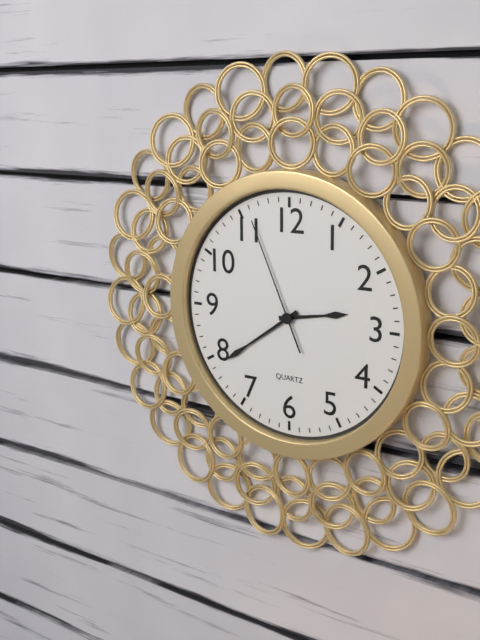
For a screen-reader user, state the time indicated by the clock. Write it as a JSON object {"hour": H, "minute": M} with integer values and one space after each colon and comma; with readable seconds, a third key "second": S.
{"hour": 2, "minute": 39, "second": 56}
